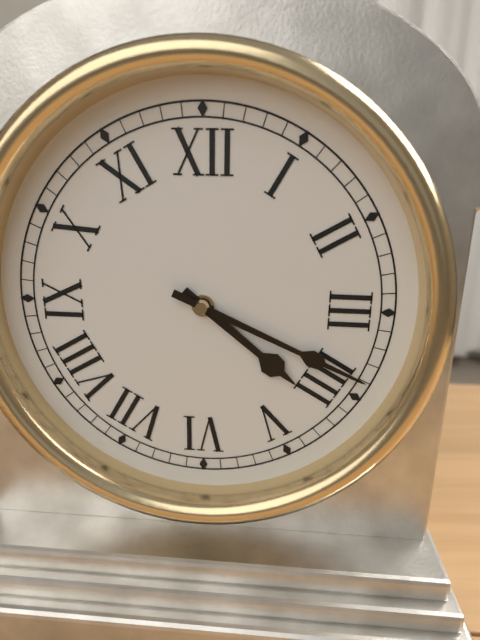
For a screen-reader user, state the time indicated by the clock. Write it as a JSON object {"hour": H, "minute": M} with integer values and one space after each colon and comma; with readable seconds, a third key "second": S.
{"hour": 4, "minute": 19}
